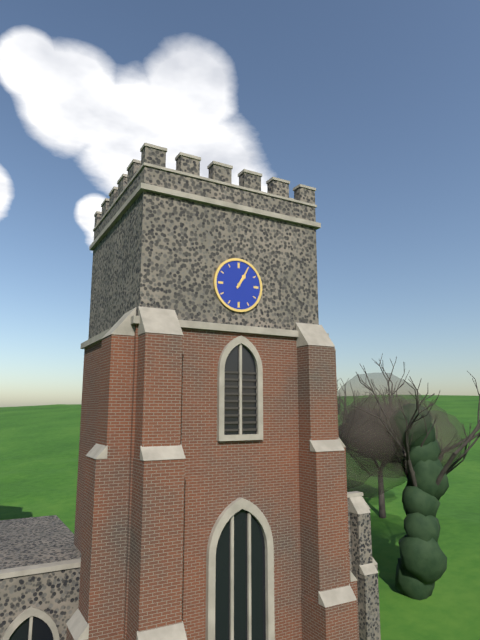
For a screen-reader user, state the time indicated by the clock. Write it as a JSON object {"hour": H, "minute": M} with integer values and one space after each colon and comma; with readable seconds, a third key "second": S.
{"hour": 1, "minute": 5}
